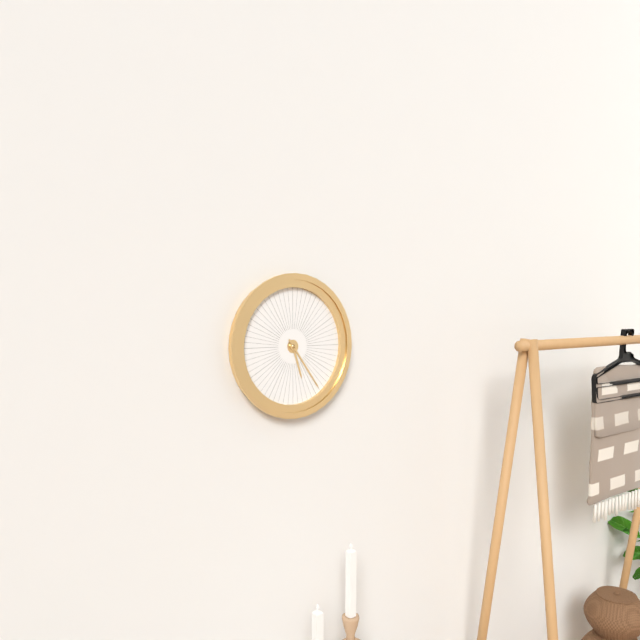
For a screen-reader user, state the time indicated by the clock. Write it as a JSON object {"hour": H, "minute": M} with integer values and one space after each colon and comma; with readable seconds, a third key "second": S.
{"hour": 5, "minute": 24}
